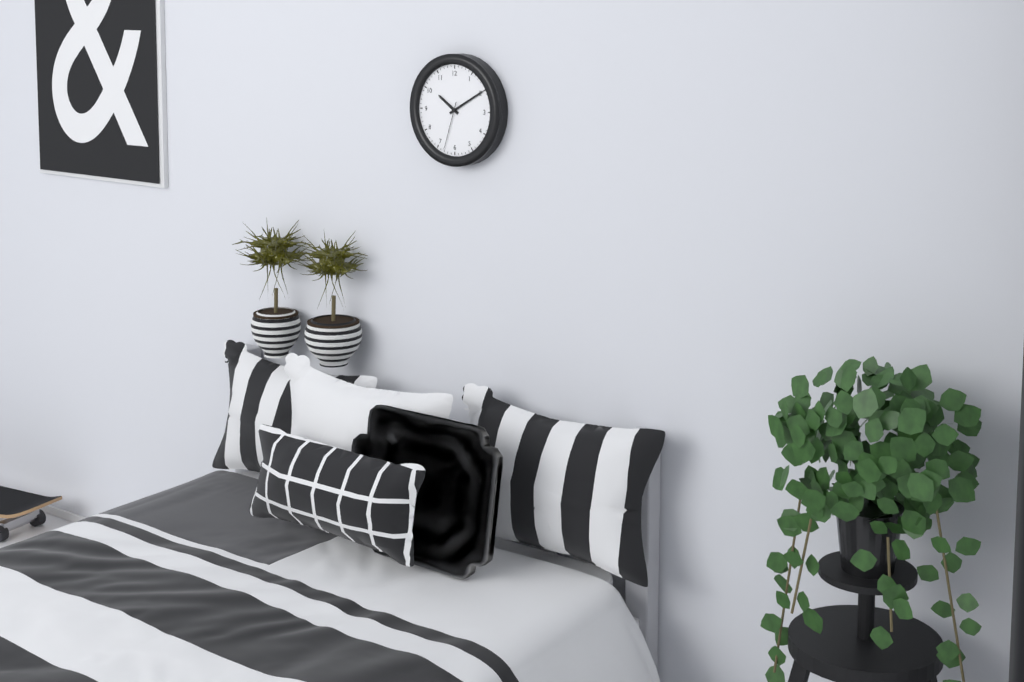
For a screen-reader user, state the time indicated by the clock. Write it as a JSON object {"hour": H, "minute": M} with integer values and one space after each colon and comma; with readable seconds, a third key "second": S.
{"hour": 10, "minute": 10, "second": 33}
